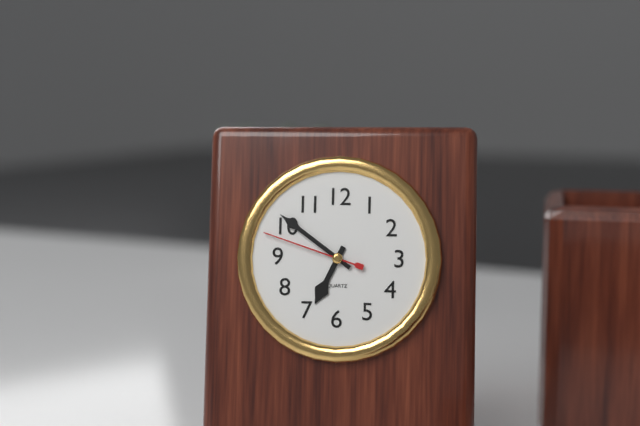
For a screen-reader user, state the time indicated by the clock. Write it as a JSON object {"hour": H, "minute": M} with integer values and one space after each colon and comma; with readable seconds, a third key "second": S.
{"hour": 6, "minute": 51, "second": 48}
